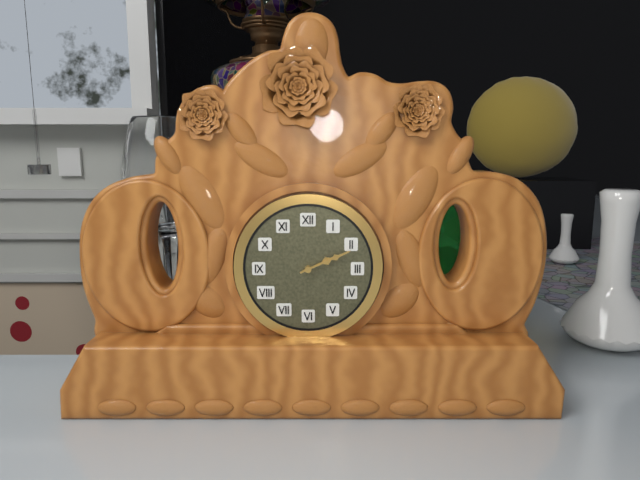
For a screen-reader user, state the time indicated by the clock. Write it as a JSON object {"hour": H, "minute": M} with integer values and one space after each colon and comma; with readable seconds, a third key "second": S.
{"hour": 2, "minute": 11}
